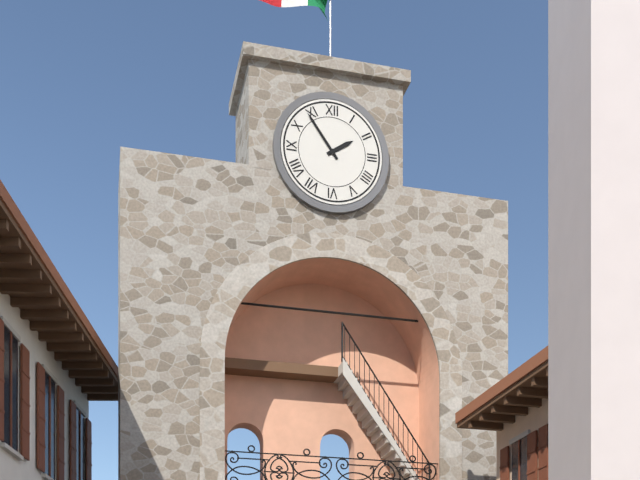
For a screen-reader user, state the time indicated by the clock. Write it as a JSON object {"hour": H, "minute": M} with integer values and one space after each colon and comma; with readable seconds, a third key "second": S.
{"hour": 1, "minute": 54}
